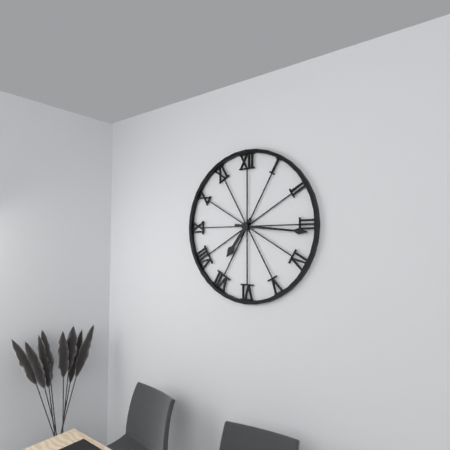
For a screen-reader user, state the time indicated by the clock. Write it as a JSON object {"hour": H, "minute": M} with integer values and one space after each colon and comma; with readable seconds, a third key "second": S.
{"hour": 7, "minute": 16}
